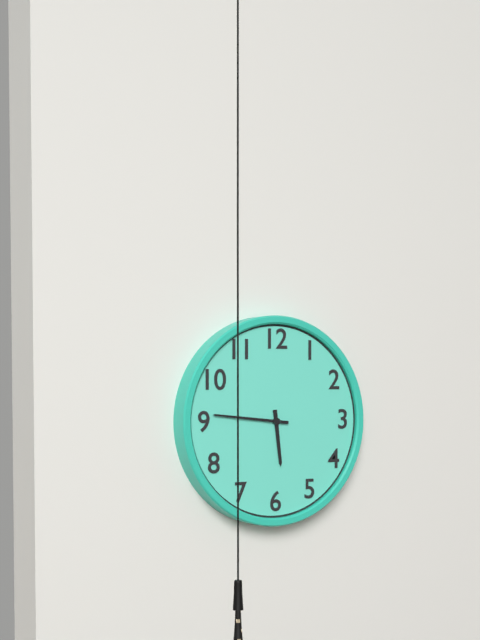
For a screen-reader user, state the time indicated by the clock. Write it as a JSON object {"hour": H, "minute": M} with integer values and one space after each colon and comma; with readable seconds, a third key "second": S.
{"hour": 5, "minute": 46}
